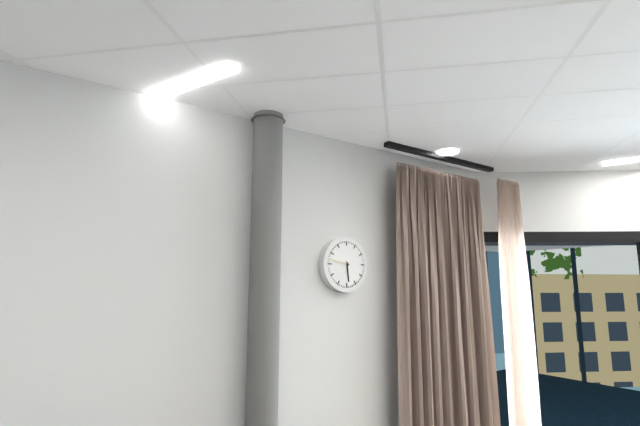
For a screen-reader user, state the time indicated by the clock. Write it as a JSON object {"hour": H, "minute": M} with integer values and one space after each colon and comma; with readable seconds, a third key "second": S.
{"hour": 5, "minute": 47}
